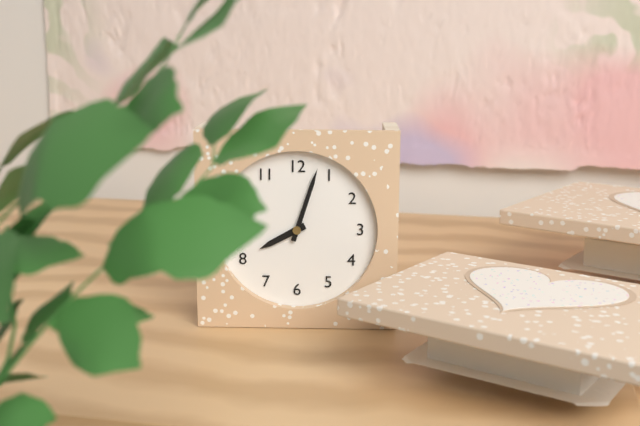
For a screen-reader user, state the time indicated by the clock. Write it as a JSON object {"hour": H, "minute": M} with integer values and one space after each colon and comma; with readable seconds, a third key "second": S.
{"hour": 8, "minute": 3}
